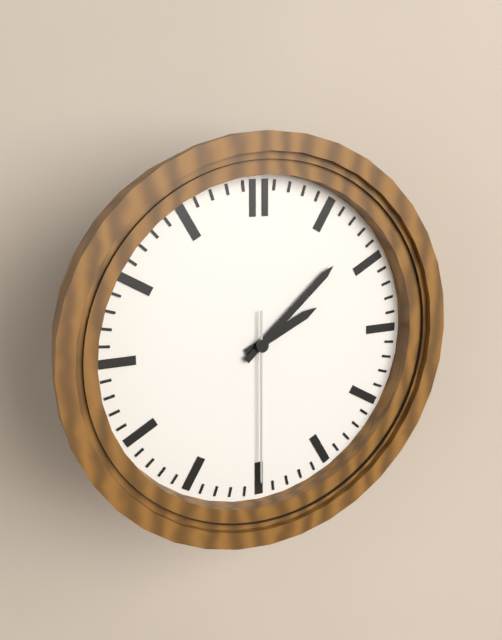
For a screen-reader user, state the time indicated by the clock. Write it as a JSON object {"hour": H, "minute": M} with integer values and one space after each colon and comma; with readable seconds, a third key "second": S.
{"hour": 2, "minute": 8, "second": 30}
